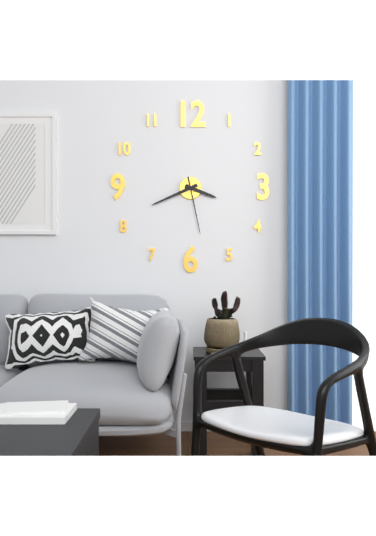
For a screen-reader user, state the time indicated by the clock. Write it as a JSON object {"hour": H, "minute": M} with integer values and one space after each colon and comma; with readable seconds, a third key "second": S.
{"hour": 3, "minute": 41, "second": 28}
